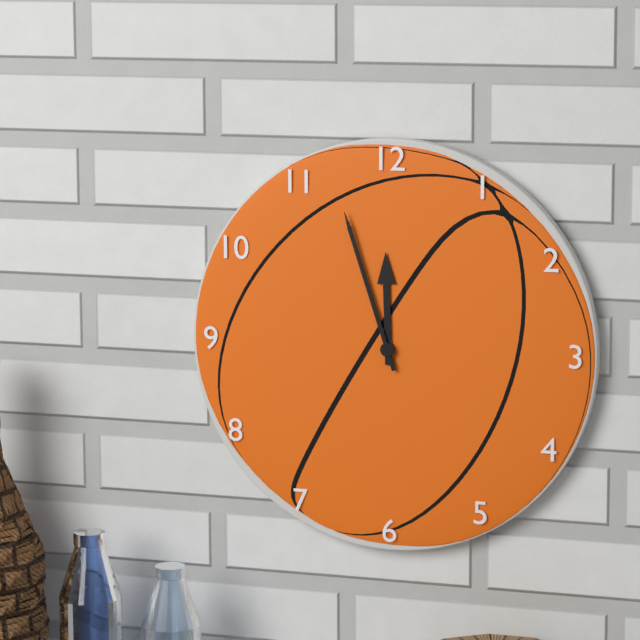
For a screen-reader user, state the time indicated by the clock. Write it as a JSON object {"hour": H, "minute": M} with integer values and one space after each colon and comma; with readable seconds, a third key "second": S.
{"hour": 11, "minute": 57}
